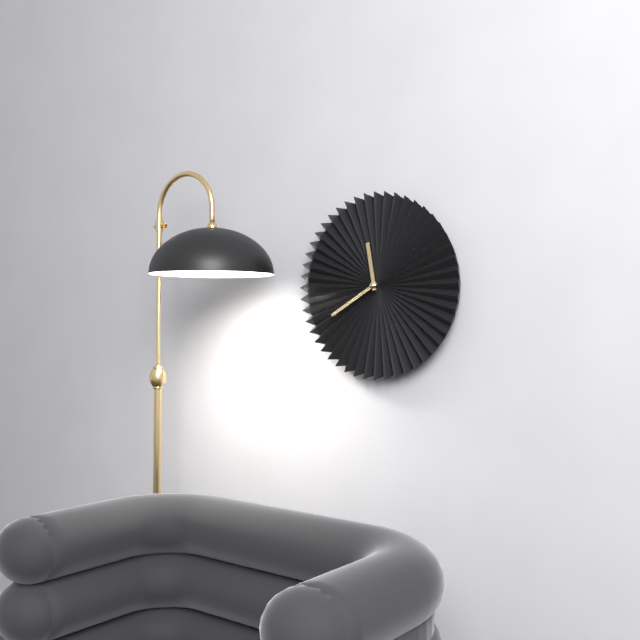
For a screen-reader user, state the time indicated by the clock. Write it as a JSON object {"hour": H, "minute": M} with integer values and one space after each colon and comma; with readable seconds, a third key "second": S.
{"hour": 11, "minute": 40}
